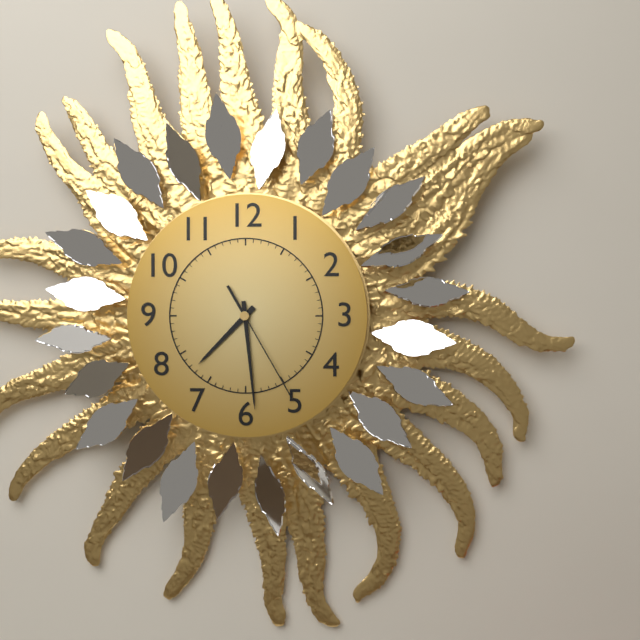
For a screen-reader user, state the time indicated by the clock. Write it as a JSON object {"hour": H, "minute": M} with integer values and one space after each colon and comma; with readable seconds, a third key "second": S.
{"hour": 7, "minute": 29, "second": 25}
